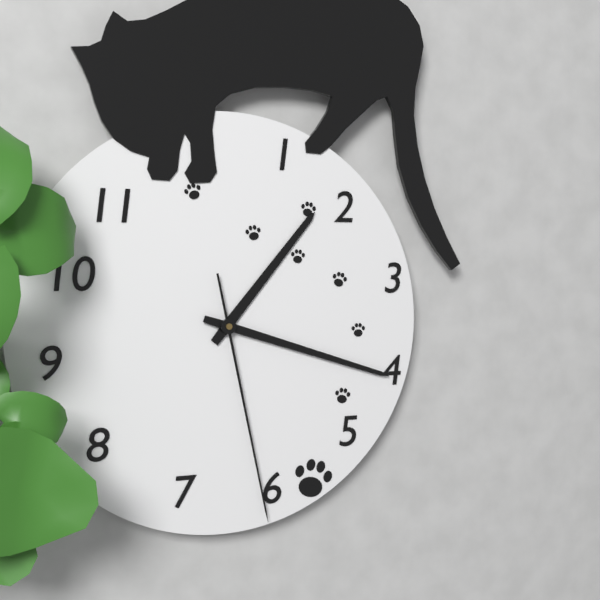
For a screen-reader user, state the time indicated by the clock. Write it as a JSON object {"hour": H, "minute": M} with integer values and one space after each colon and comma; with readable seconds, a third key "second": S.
{"hour": 1, "minute": 18, "second": 28}
